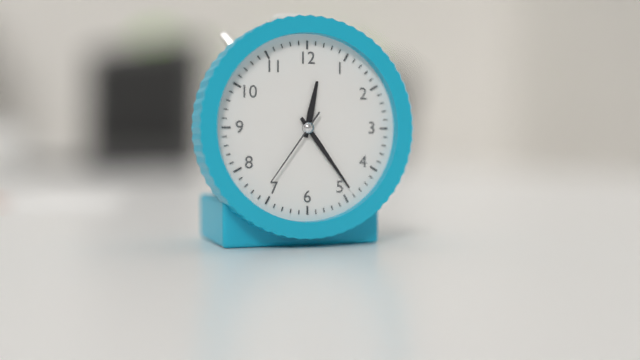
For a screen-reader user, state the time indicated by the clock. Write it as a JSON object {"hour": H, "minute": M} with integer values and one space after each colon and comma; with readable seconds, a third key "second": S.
{"hour": 12, "minute": 24, "second": 36}
